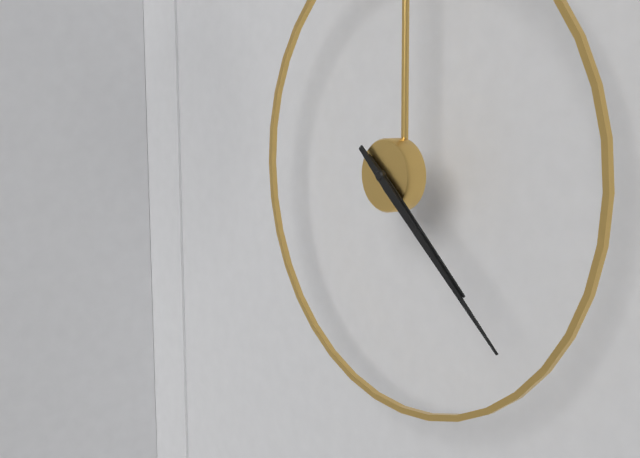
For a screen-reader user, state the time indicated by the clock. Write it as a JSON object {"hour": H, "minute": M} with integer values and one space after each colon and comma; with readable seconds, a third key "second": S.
{"hour": 4, "minute": 22}
